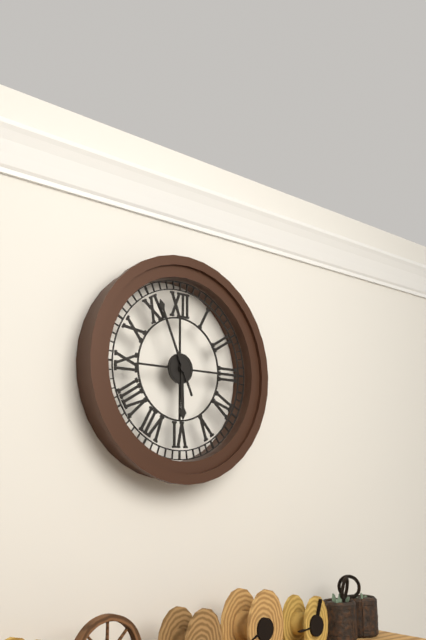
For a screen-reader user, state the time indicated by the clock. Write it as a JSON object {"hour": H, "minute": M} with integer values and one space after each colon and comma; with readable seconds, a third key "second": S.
{"hour": 5, "minute": 56}
